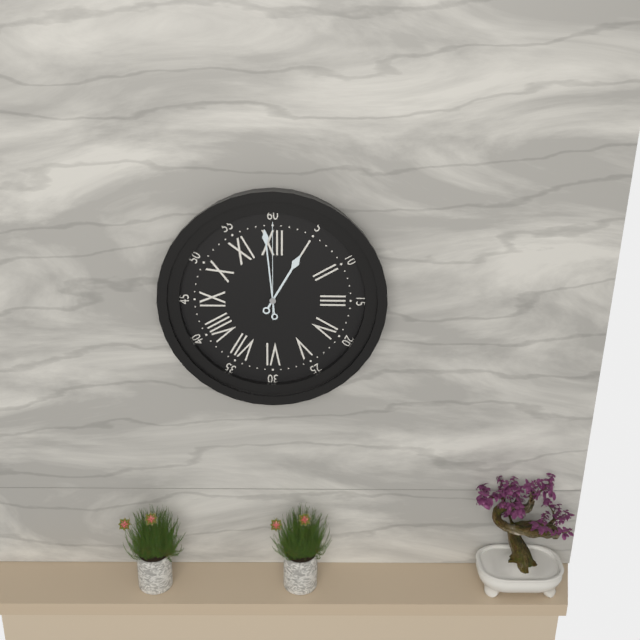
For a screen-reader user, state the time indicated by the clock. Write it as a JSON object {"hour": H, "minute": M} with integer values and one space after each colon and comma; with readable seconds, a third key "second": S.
{"hour": 12, "minute": 59, "second": 0}
